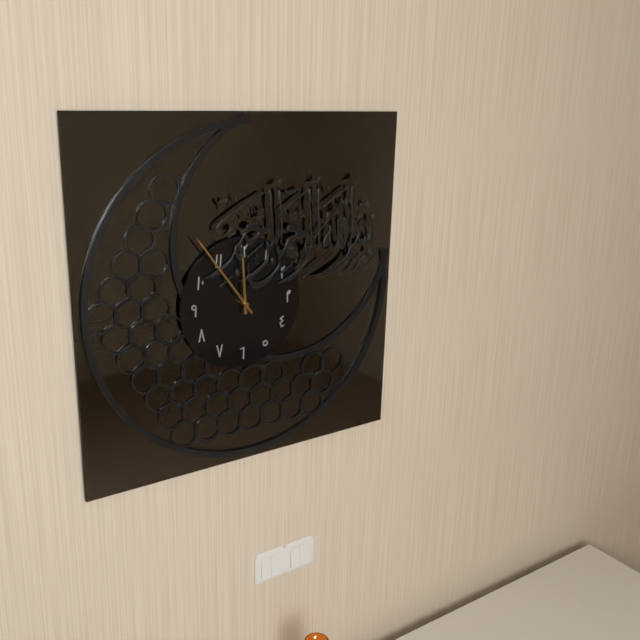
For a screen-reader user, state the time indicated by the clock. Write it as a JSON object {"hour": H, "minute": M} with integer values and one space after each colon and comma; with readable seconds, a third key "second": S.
{"hour": 11, "minute": 54}
